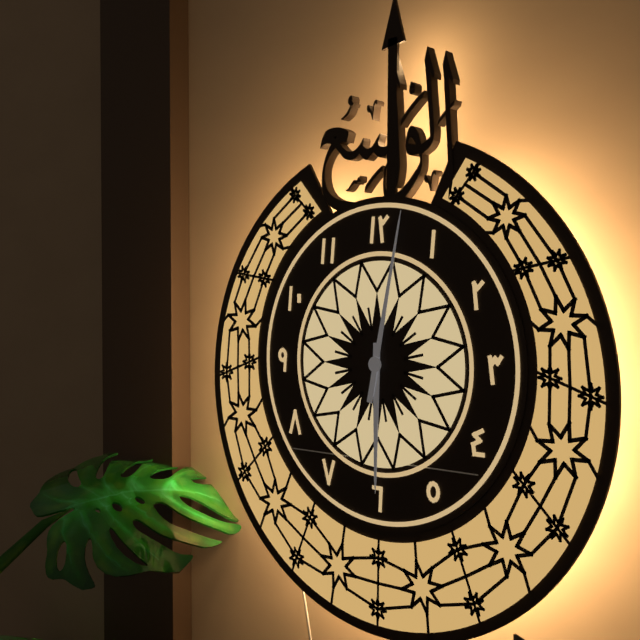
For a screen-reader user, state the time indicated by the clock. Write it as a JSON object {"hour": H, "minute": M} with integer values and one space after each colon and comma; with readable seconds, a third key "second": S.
{"hour": 6, "minute": 2}
